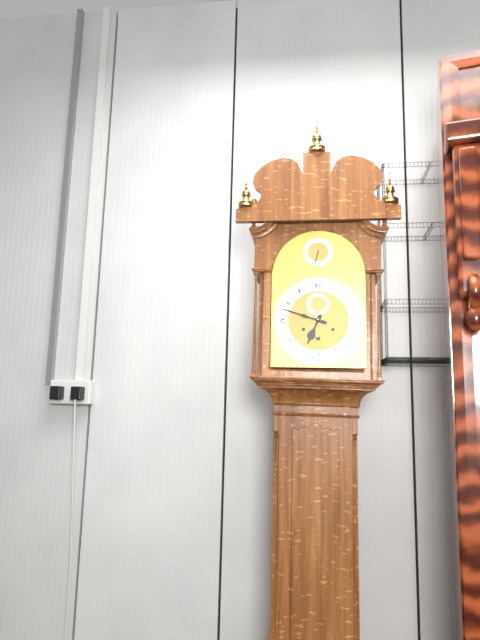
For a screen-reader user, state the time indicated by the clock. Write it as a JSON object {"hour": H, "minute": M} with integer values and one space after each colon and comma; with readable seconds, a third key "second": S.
{"hour": 6, "minute": 48}
